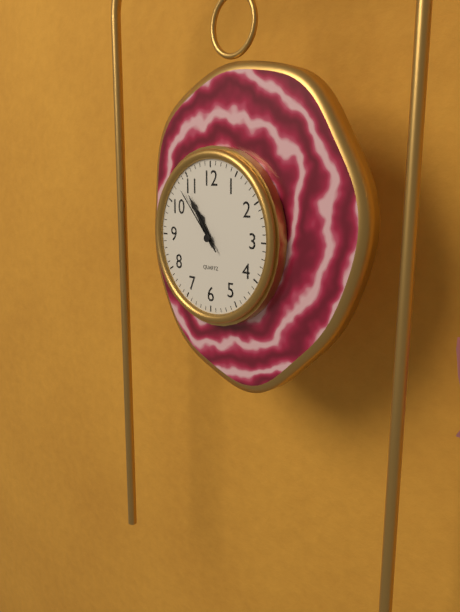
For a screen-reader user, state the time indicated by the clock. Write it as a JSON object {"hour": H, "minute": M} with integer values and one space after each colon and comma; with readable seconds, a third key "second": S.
{"hour": 10, "minute": 54, "second": 53}
